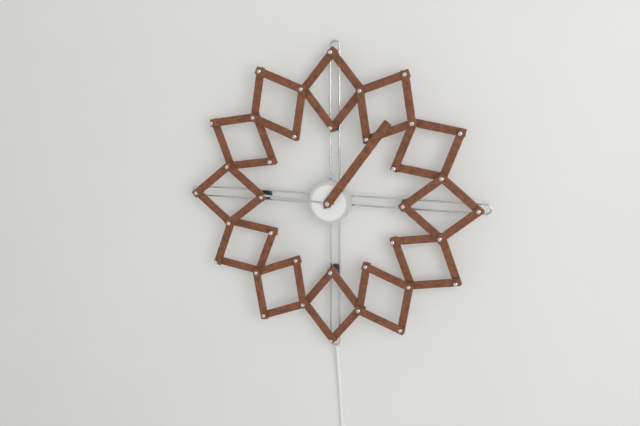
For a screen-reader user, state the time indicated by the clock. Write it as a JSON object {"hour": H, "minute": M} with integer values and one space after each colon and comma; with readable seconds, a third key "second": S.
{"hour": 9, "minute": 6}
